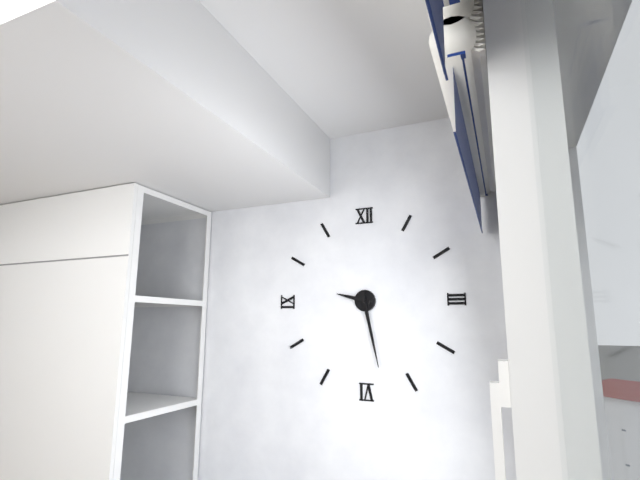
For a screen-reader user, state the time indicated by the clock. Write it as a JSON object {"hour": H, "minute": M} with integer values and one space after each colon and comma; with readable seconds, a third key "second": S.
{"hour": 9, "minute": 28}
